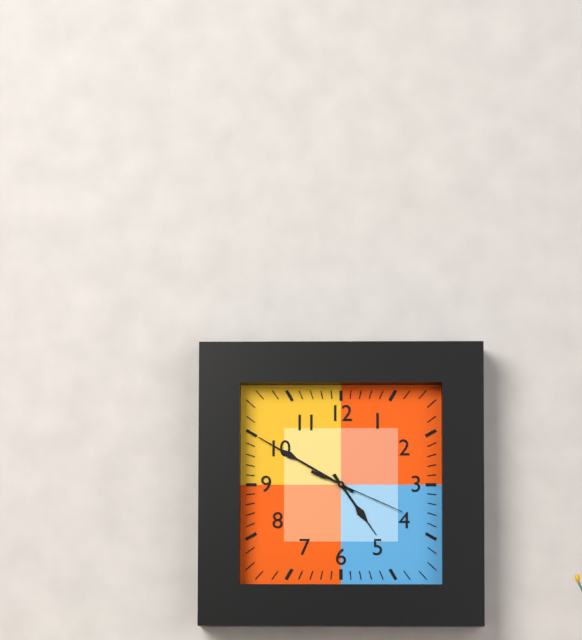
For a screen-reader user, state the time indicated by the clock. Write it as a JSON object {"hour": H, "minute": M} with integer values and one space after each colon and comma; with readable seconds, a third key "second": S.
{"hour": 4, "minute": 50, "second": 19}
